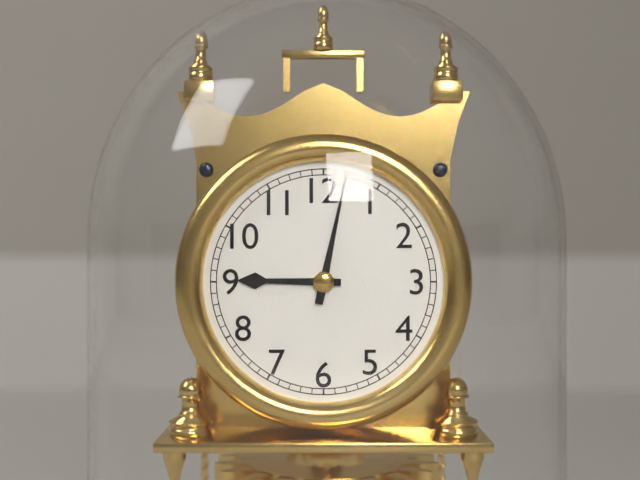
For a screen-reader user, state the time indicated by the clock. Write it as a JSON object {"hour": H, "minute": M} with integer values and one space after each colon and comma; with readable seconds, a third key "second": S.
{"hour": 9, "minute": 2}
